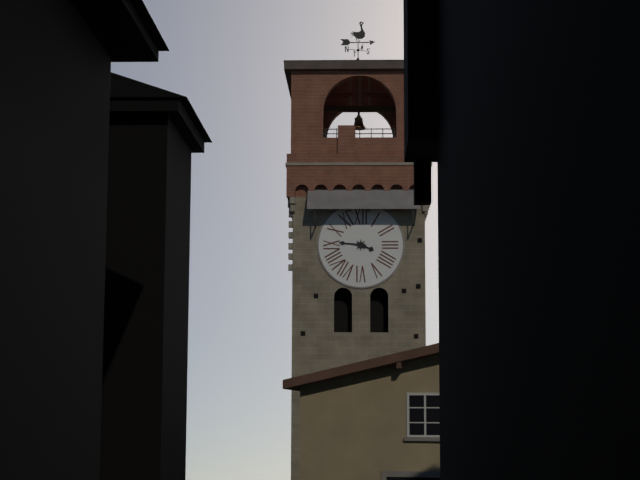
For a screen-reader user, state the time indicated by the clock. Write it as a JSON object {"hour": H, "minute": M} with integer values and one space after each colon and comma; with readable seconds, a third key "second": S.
{"hour": 3, "minute": 46}
